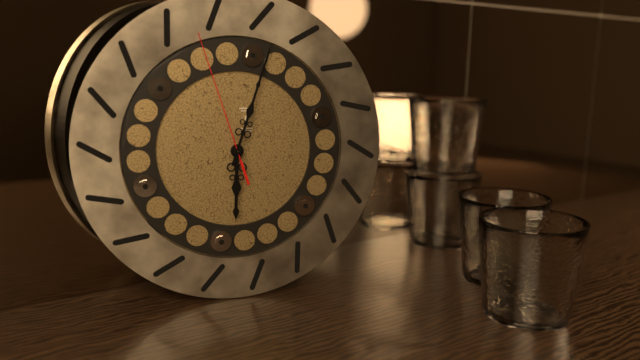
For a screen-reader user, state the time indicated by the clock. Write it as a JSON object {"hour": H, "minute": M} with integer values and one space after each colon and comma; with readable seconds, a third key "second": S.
{"hour": 6, "minute": 3, "second": 57}
